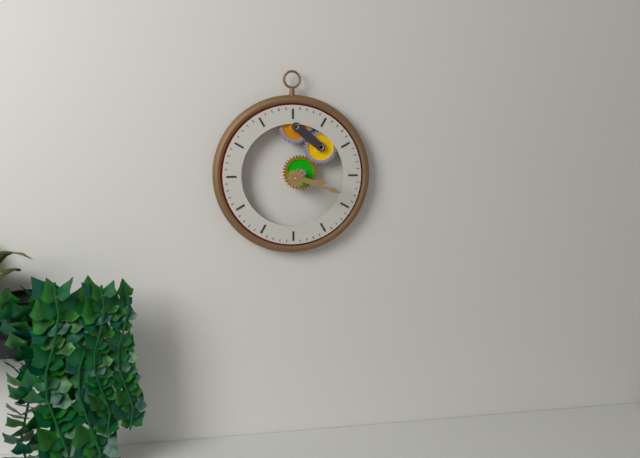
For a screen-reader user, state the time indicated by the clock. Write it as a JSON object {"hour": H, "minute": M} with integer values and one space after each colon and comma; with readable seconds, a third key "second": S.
{"hour": 3, "minute": 18}
